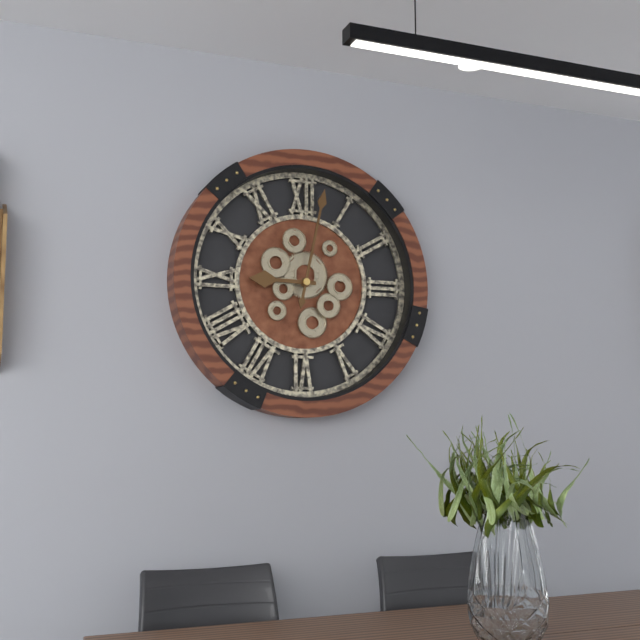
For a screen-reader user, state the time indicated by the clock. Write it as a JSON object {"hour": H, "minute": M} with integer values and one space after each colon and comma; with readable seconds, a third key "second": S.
{"hour": 9, "minute": 2}
